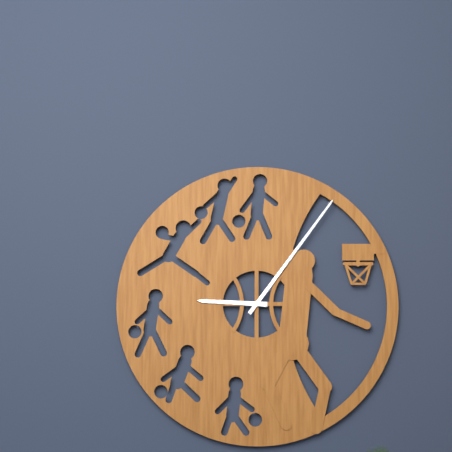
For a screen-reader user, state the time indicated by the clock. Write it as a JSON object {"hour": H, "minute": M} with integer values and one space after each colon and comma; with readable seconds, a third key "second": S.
{"hour": 9, "minute": 6}
